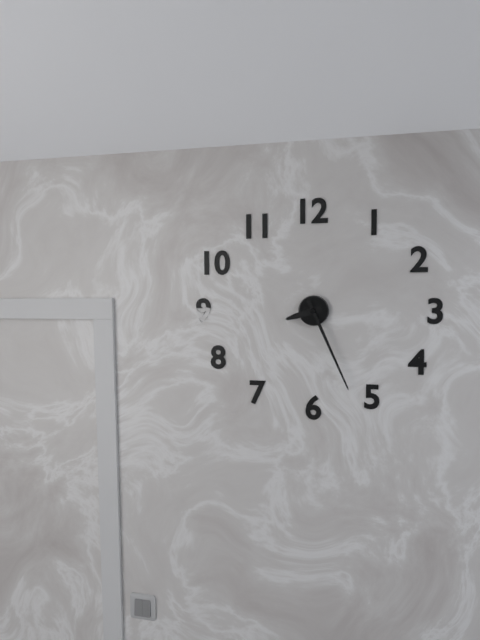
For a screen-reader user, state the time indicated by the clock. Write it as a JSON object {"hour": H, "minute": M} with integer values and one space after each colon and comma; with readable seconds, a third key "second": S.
{"hour": 8, "minute": 26}
